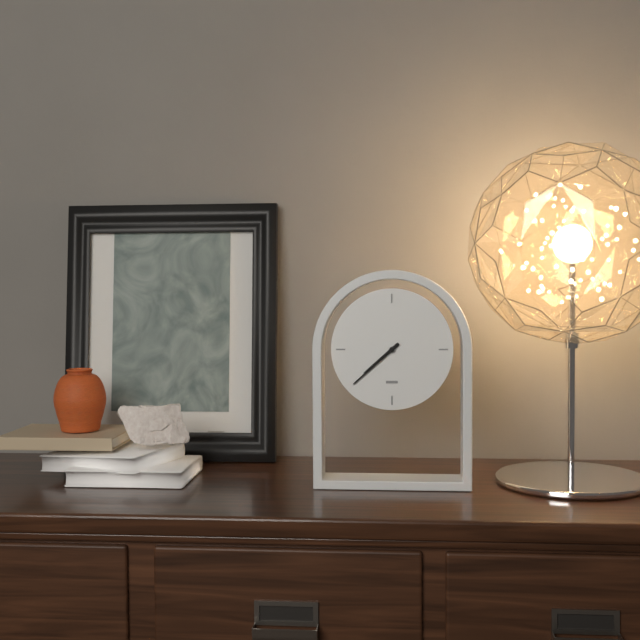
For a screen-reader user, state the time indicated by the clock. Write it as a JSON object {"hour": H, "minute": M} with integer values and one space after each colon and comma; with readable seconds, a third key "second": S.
{"hour": 7, "minute": 38}
